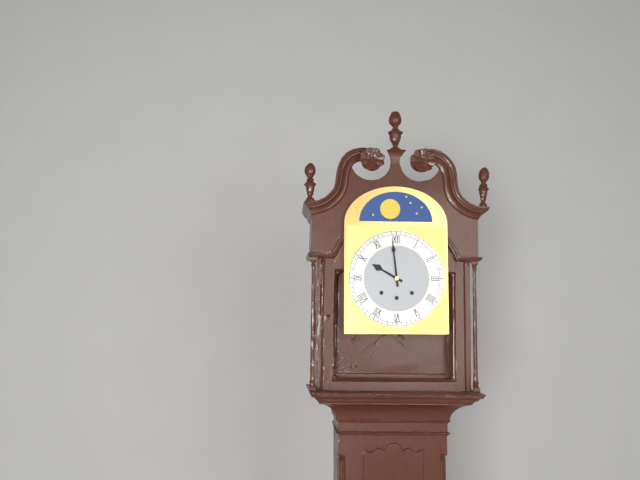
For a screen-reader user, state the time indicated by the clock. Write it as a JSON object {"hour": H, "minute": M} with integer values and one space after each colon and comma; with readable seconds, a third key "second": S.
{"hour": 9, "minute": 59}
